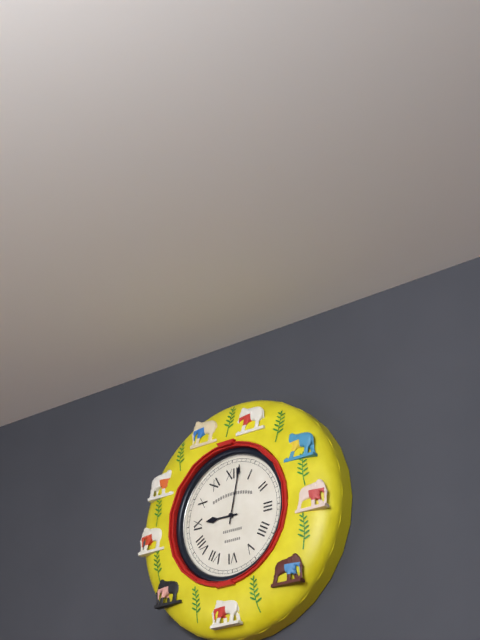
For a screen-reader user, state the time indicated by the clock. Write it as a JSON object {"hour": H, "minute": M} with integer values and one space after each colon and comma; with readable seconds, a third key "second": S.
{"hour": 9, "minute": 2}
